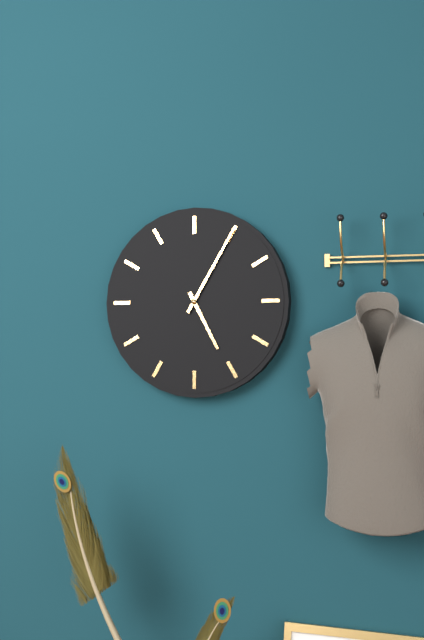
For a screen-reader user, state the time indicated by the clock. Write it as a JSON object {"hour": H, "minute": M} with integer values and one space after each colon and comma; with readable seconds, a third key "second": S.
{"hour": 5, "minute": 5}
